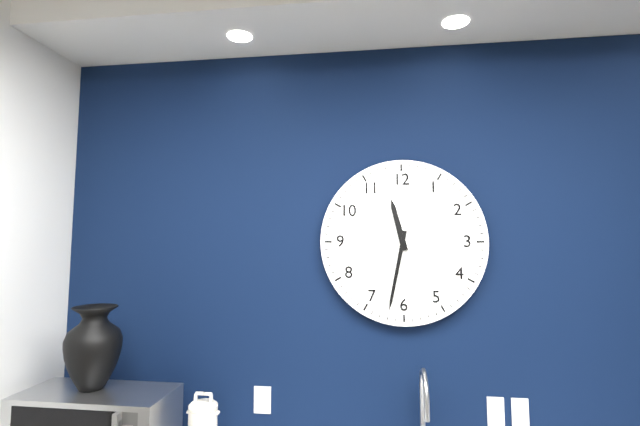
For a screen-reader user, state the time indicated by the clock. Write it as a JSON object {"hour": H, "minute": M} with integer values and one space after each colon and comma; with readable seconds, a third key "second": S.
{"hour": 11, "minute": 32}
